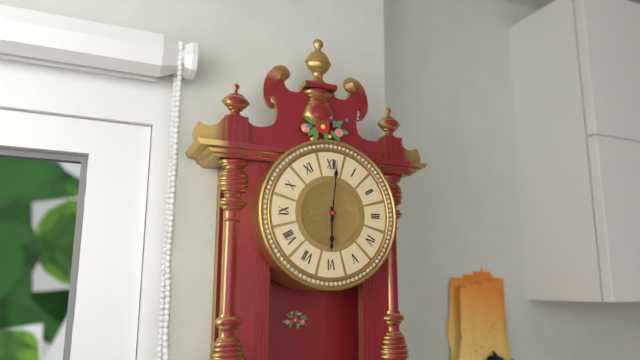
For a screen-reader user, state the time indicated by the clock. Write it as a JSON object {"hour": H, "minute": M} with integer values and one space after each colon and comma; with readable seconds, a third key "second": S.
{"hour": 6, "minute": 1}
